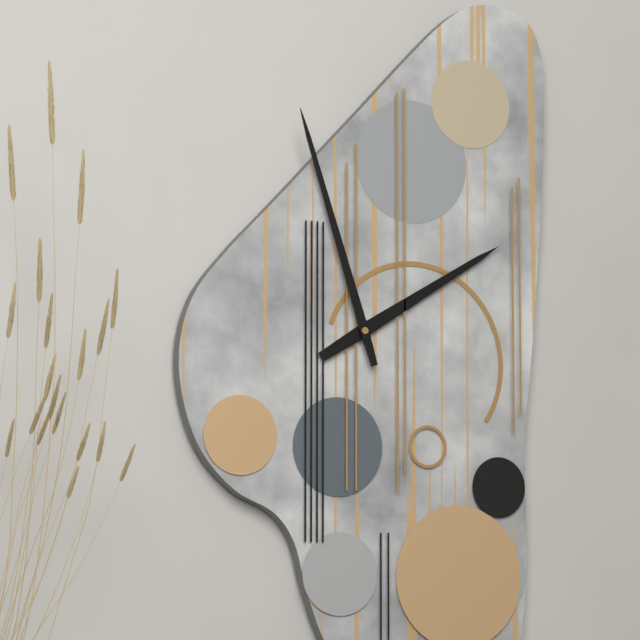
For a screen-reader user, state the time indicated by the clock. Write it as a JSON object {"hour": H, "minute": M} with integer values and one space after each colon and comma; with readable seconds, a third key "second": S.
{"hour": 1, "minute": 57}
